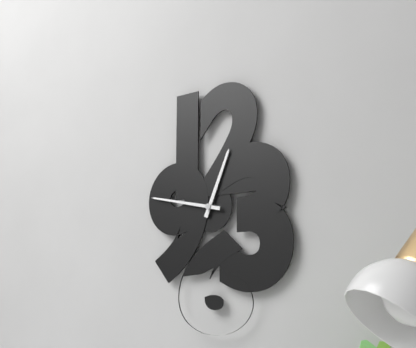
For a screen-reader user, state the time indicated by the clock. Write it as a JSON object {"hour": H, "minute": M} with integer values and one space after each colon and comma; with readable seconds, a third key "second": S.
{"hour": 12, "minute": 47}
